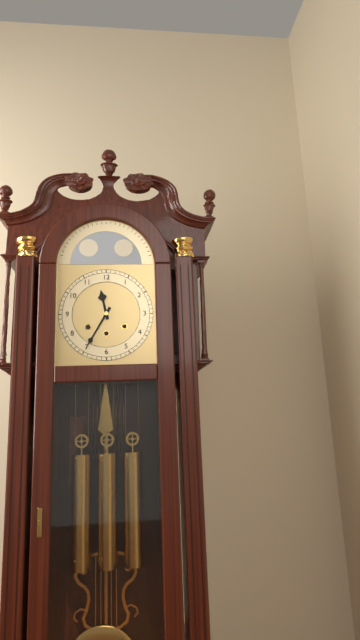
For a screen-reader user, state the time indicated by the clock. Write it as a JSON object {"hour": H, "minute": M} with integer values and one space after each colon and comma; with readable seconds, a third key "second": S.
{"hour": 11, "minute": 35}
